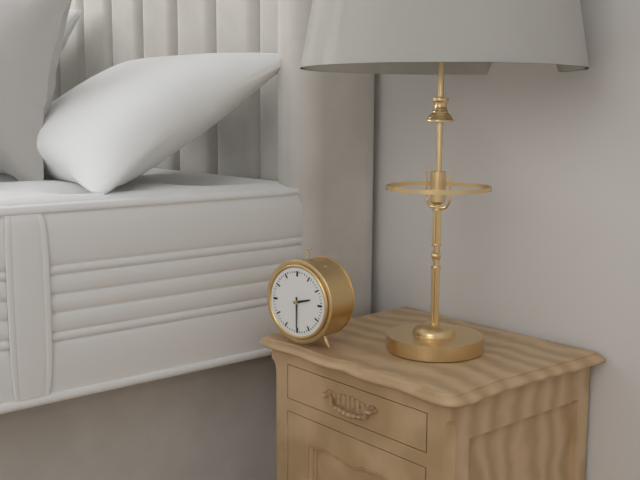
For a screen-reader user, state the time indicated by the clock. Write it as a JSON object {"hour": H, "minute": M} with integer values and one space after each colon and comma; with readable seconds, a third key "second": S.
{"hour": 2, "minute": 30}
